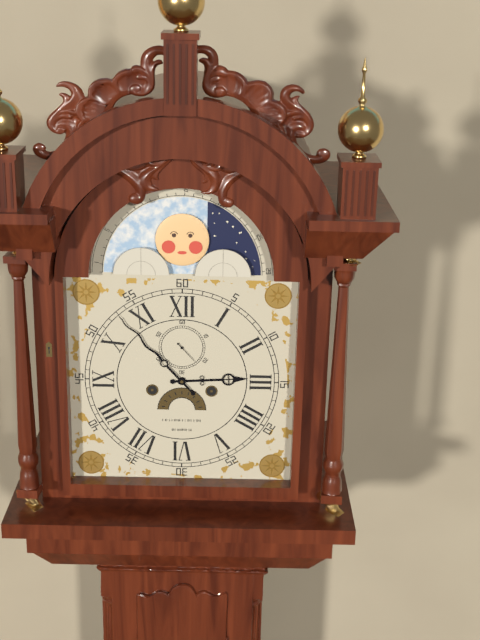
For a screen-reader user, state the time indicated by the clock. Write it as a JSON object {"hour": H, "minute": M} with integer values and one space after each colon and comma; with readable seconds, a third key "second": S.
{"hour": 2, "minute": 53}
